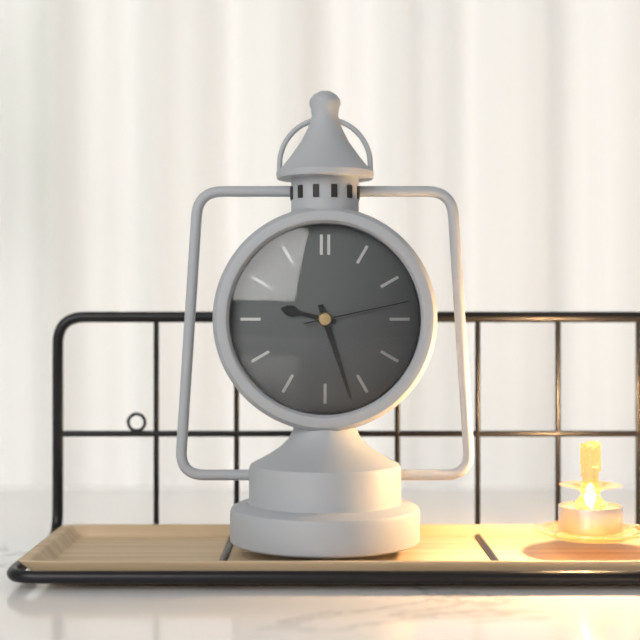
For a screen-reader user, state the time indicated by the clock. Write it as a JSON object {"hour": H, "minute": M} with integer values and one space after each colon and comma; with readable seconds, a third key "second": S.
{"hour": 9, "minute": 27, "second": 13}
